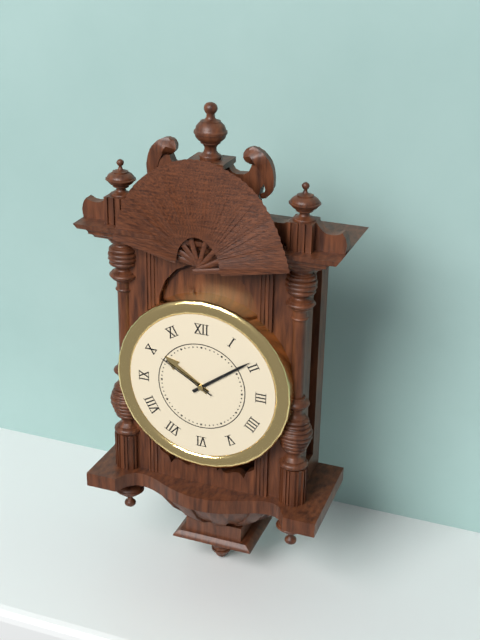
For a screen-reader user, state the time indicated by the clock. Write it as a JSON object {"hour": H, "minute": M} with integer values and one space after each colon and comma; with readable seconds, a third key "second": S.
{"hour": 10, "minute": 9, "second": 50}
